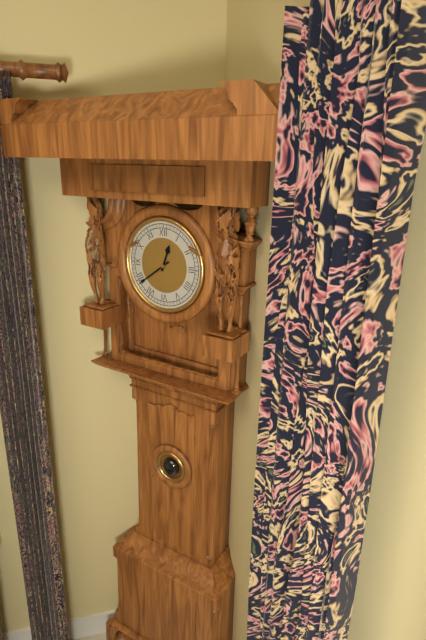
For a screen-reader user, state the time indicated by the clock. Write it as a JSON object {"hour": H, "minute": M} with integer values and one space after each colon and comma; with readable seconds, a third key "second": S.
{"hour": 12, "minute": 39}
